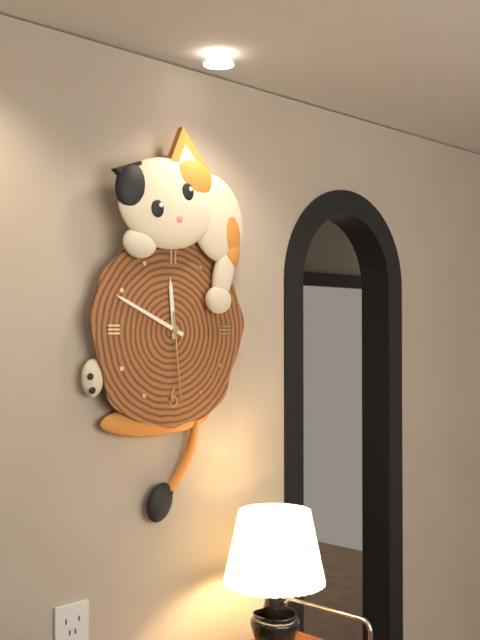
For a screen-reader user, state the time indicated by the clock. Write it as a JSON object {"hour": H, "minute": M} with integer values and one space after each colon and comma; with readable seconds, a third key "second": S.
{"hour": 11, "minute": 49, "second": 29}
